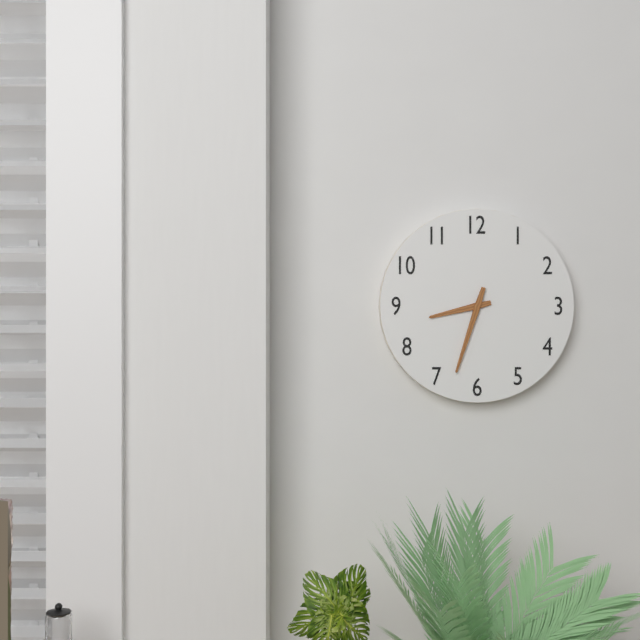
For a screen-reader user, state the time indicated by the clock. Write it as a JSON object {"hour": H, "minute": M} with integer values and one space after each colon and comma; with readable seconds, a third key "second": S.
{"hour": 8, "minute": 33}
